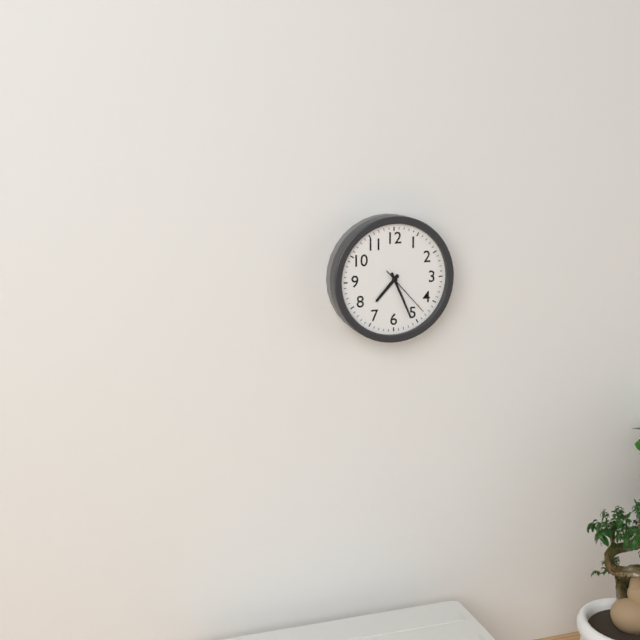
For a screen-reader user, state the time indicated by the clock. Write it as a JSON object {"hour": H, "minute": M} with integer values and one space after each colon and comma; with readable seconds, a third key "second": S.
{"hour": 7, "minute": 26, "second": 23}
